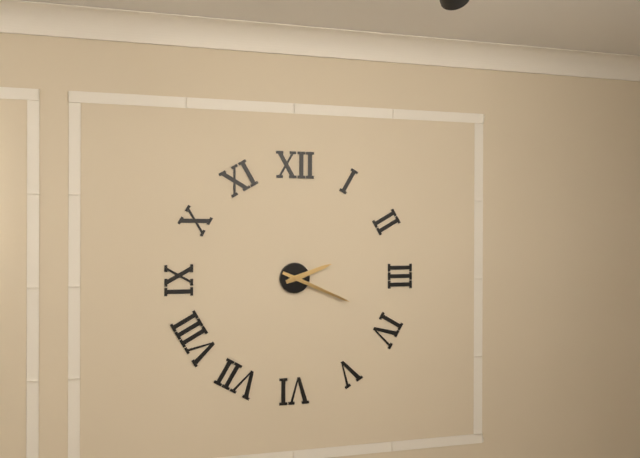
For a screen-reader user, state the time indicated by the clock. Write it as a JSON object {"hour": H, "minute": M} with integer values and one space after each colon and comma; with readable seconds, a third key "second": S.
{"hour": 2, "minute": 19}
